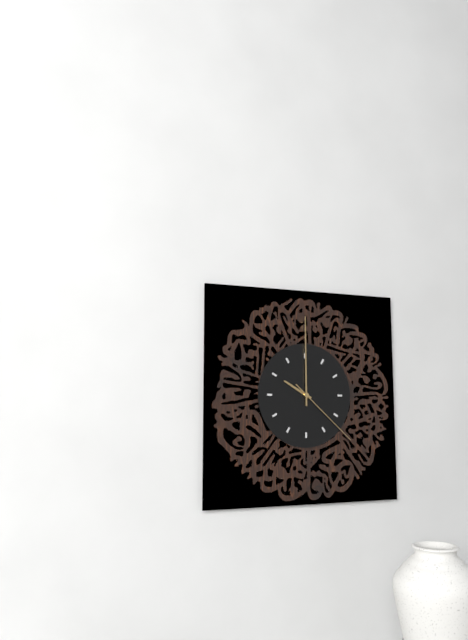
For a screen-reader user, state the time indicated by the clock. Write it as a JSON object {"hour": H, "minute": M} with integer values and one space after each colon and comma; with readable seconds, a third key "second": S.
{"hour": 10, "minute": 0, "second": 22}
